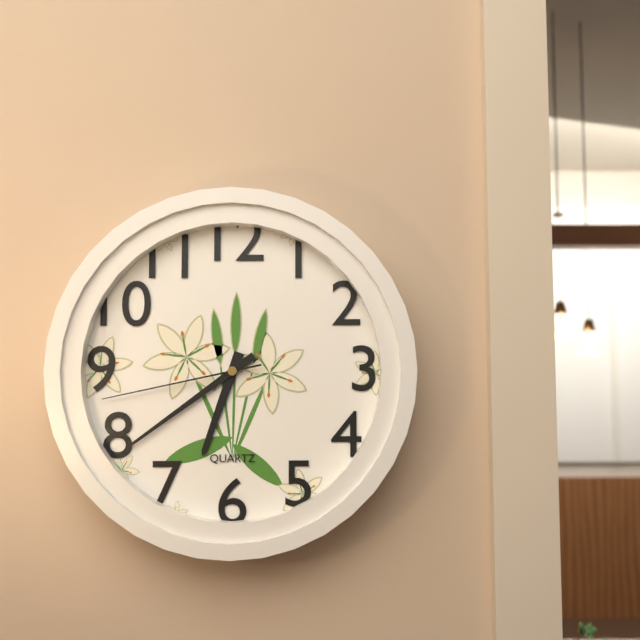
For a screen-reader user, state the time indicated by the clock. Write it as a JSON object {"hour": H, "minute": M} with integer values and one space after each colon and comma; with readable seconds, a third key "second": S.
{"hour": 6, "minute": 39, "second": 43}
